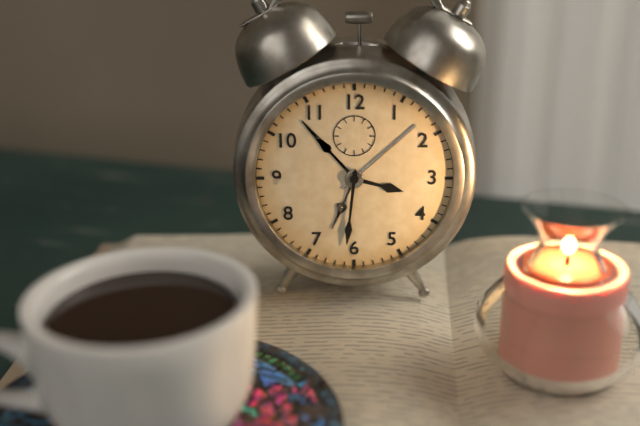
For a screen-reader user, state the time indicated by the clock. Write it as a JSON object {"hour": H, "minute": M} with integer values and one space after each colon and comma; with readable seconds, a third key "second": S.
{"hour": 3, "minute": 31}
